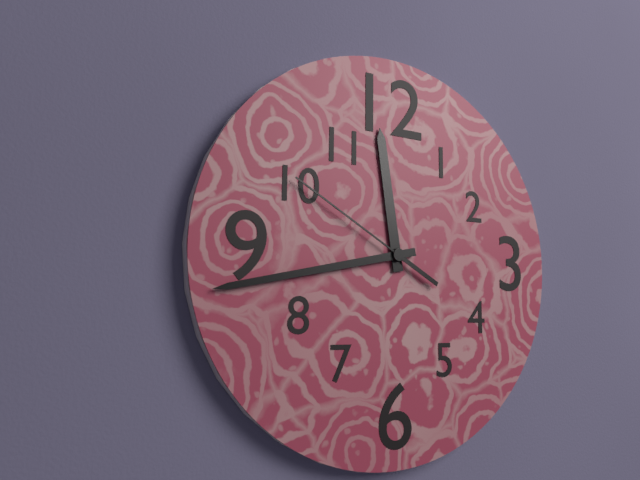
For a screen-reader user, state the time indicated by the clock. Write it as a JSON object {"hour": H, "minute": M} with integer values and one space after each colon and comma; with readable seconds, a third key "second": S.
{"hour": 11, "minute": 43, "second": 50}
